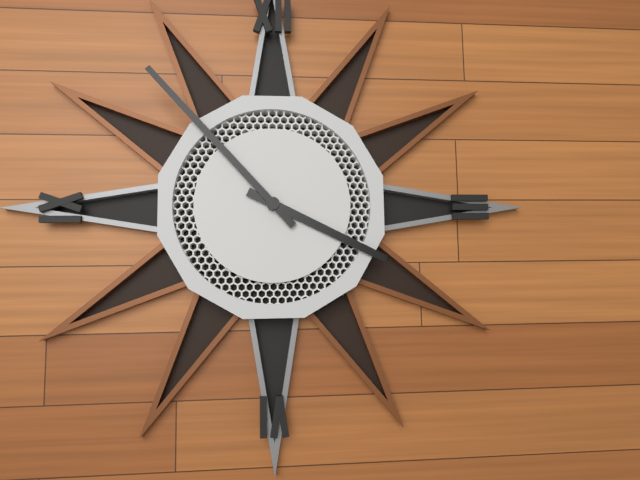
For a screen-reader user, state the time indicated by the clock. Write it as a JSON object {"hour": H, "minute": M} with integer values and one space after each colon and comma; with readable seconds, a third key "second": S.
{"hour": 3, "minute": 53}
